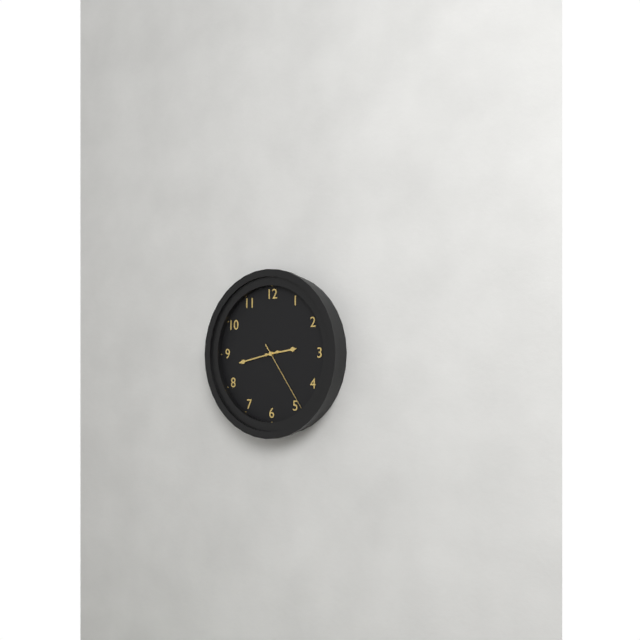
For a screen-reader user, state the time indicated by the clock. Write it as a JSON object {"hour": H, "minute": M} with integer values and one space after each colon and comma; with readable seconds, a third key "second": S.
{"hour": 2, "minute": 43, "second": 24}
